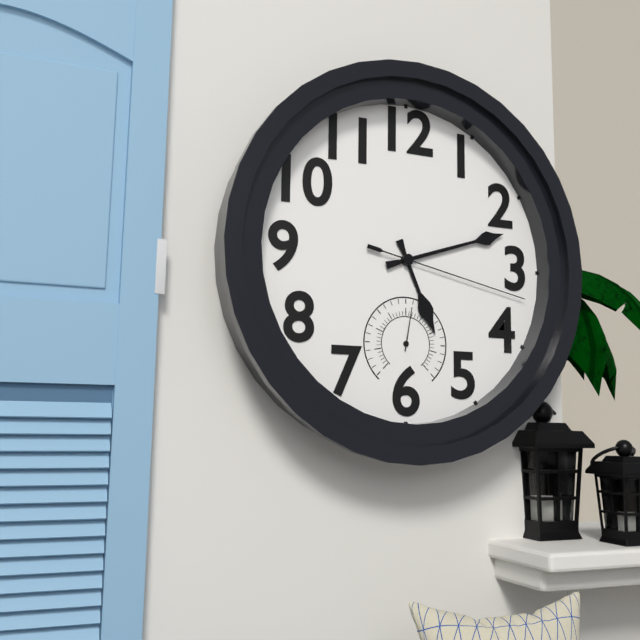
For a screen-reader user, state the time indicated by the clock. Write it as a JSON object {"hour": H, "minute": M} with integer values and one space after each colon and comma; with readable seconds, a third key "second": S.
{"hour": 5, "minute": 12, "second": 17}
